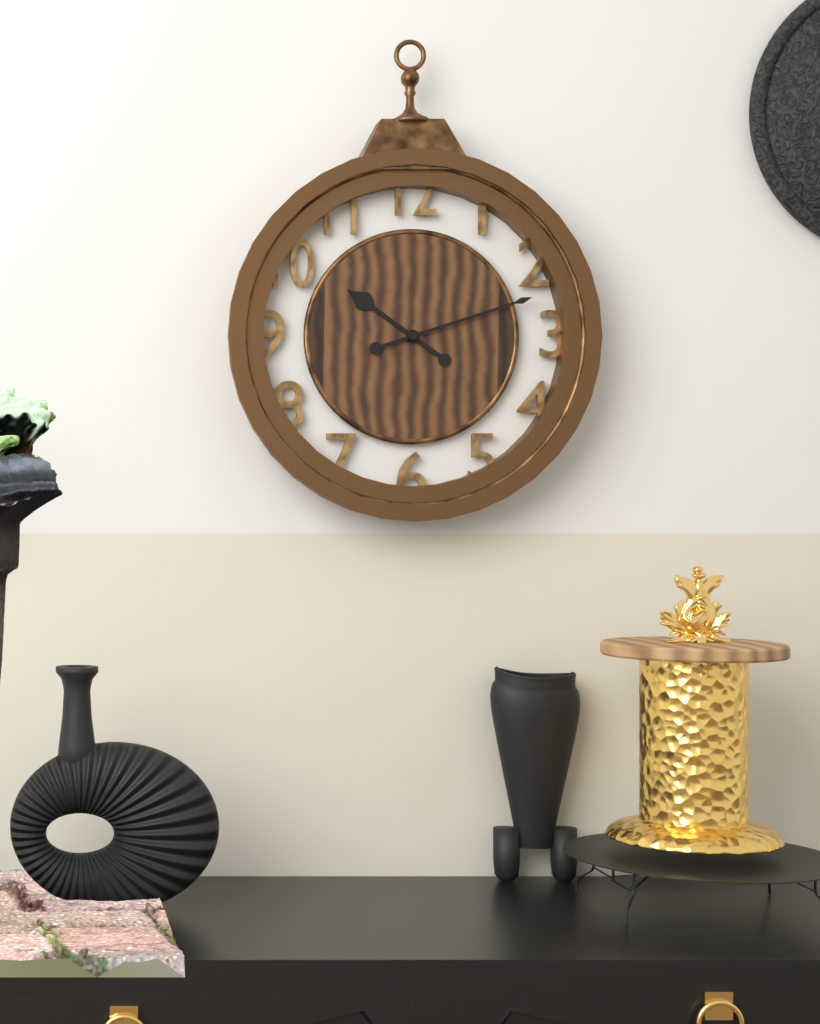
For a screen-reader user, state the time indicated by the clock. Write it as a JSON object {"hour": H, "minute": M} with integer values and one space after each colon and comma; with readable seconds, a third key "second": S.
{"hour": 10, "minute": 12}
